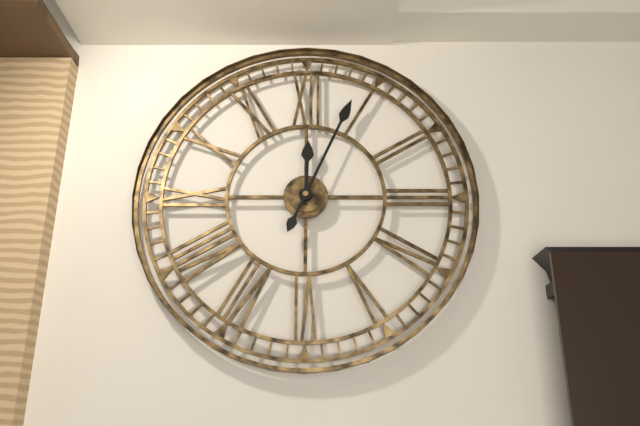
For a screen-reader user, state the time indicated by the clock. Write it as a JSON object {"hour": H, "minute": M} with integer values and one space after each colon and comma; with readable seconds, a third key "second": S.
{"hour": 12, "minute": 4}
